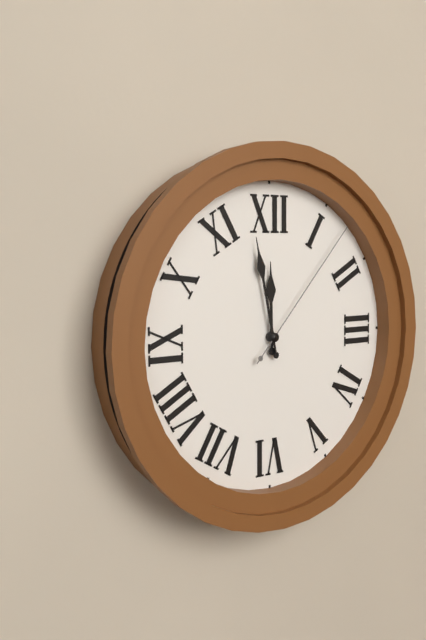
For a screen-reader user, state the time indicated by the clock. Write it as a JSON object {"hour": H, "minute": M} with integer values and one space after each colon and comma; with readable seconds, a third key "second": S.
{"hour": 11, "minute": 58, "second": 7}
